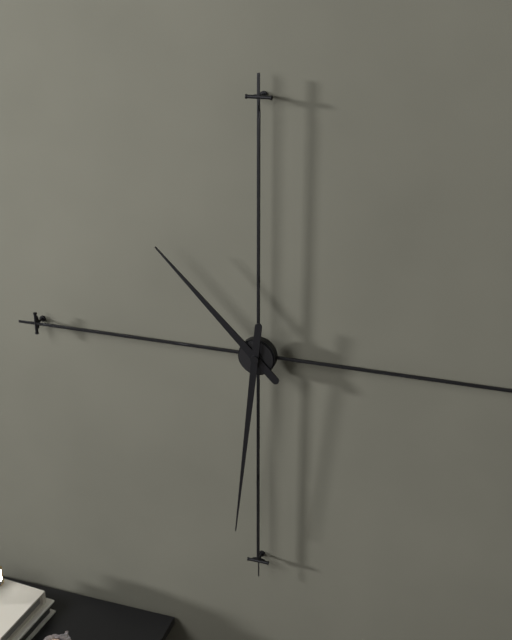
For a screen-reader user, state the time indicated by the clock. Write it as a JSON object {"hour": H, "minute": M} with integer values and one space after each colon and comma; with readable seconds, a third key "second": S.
{"hour": 10, "minute": 31}
